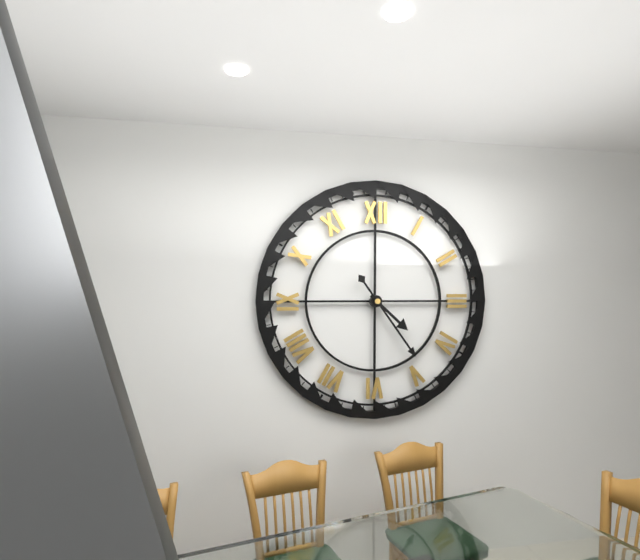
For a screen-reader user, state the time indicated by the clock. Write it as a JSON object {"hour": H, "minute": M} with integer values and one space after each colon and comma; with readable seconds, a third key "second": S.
{"hour": 4, "minute": 24}
